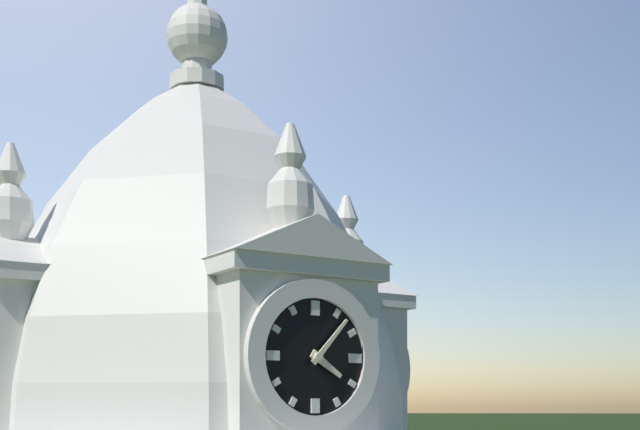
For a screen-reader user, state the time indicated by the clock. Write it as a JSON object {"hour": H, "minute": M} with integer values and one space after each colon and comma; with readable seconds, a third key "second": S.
{"hour": 4, "minute": 7}
